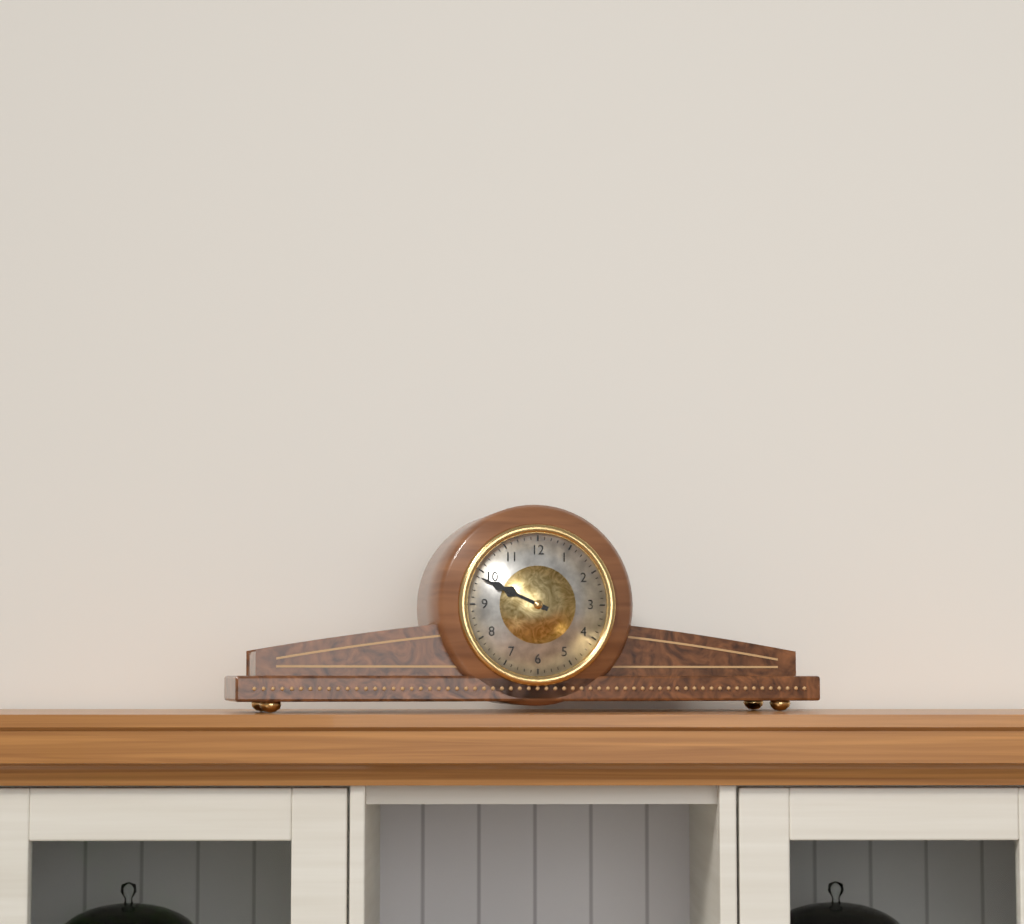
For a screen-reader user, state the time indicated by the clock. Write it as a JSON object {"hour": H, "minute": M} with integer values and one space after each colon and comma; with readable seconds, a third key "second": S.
{"hour": 9, "minute": 49}
